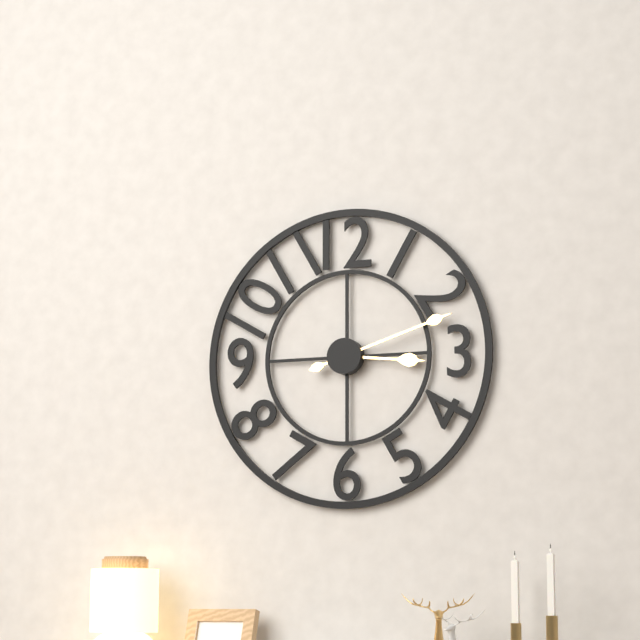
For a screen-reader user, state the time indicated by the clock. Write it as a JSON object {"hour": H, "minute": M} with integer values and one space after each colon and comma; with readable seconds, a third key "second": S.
{"hour": 3, "minute": 12}
